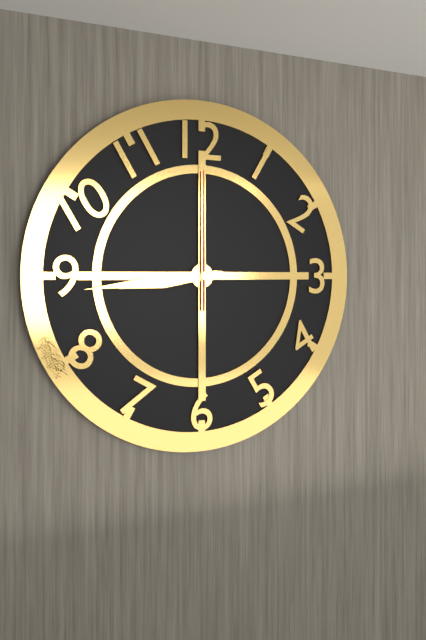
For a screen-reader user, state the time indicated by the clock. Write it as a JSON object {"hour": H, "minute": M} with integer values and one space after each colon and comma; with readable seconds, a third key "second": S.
{"hour": 8, "minute": 44, "second": 0}
